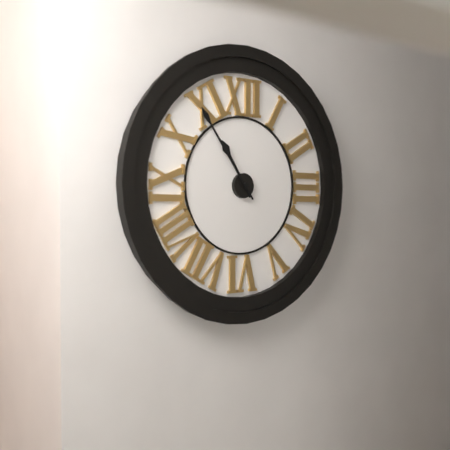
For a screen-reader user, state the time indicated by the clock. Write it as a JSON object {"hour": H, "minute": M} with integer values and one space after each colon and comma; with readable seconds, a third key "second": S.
{"hour": 10, "minute": 54}
